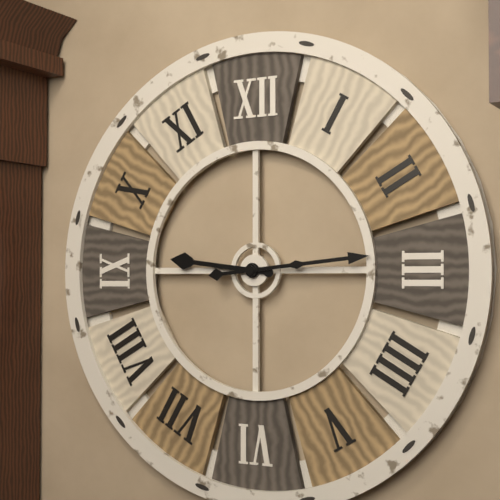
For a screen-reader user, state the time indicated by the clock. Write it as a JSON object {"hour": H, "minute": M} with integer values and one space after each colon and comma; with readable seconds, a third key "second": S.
{"hour": 9, "minute": 14}
